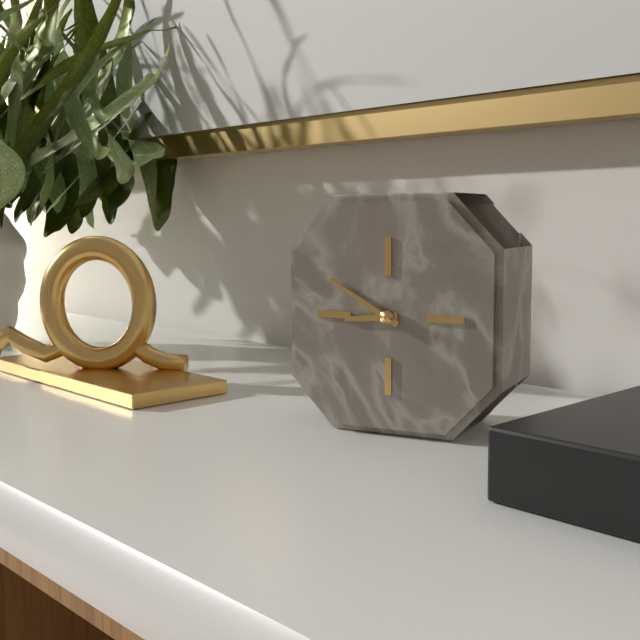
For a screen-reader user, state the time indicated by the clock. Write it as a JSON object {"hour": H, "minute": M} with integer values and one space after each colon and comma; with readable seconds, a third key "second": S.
{"hour": 8, "minute": 50}
